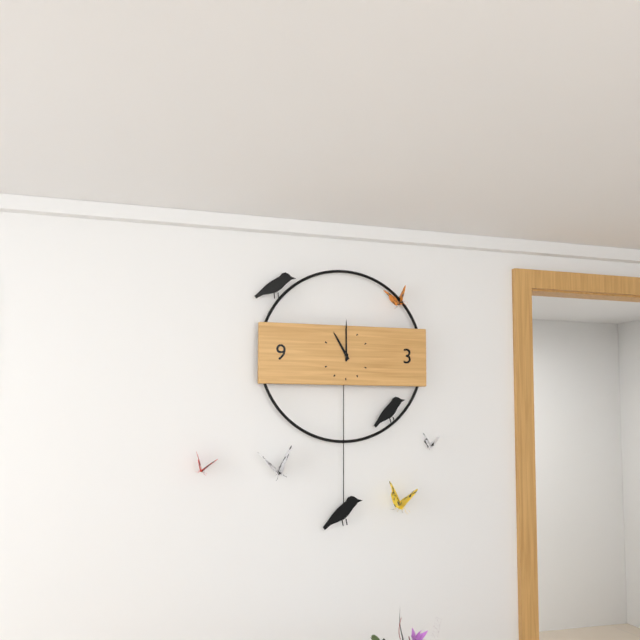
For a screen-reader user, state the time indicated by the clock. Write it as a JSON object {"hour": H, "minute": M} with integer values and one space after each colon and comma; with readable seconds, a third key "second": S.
{"hour": 11, "minute": 0}
